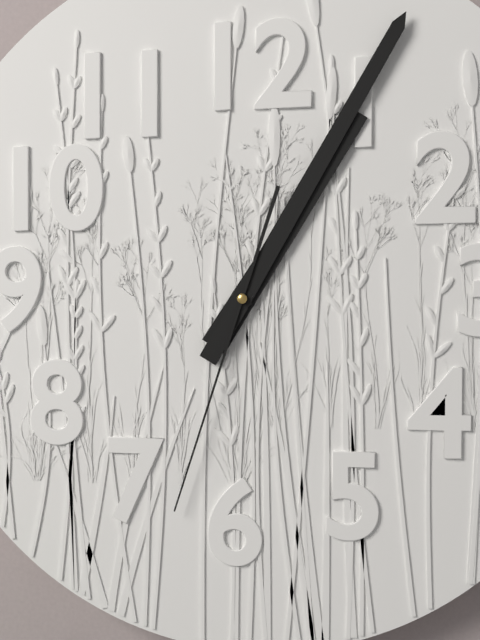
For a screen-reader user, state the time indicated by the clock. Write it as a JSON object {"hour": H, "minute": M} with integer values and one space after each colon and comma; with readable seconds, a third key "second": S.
{"hour": 1, "minute": 5, "second": 33}
